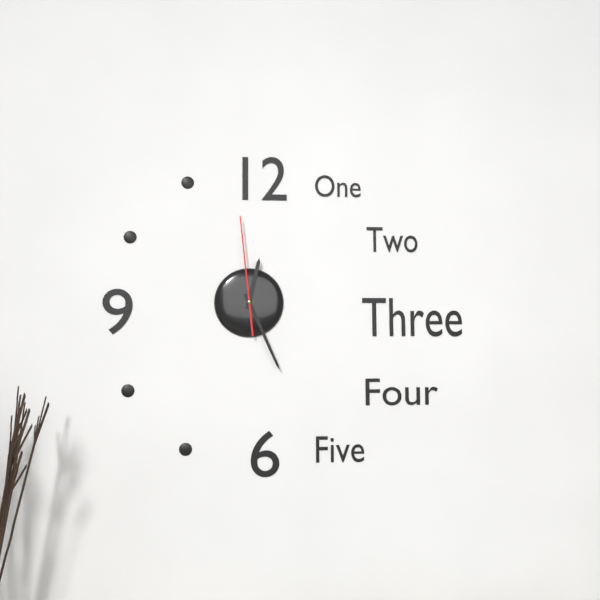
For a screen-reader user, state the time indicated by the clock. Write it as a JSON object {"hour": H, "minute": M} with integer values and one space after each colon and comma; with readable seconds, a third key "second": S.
{"hour": 12, "minute": 26, "second": 59}
